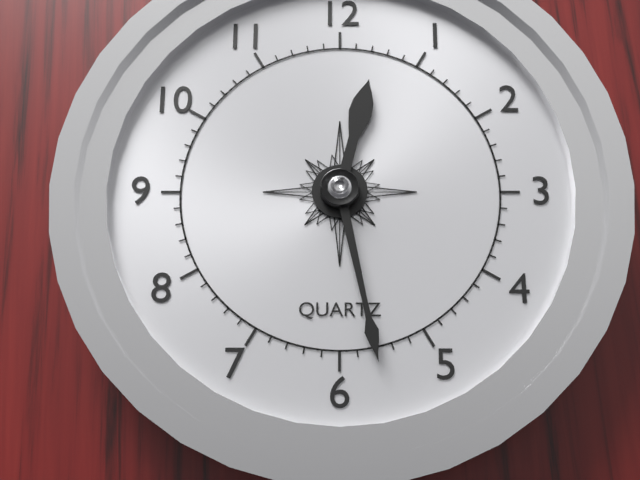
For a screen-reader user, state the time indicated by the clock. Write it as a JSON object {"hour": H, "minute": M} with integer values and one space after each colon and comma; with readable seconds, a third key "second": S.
{"hour": 12, "minute": 28}
